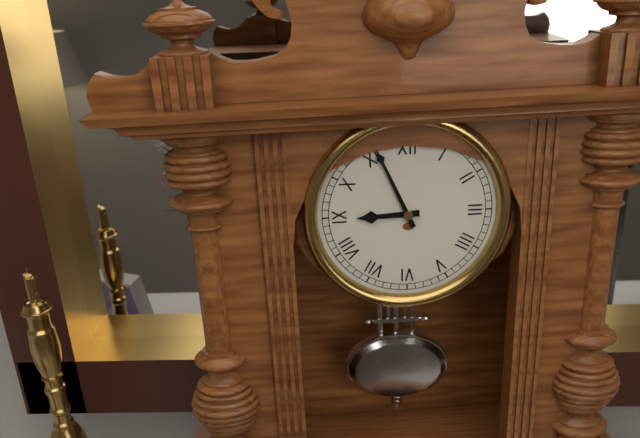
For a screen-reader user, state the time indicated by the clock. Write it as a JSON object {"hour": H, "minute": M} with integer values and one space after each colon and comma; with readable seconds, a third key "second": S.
{"hour": 8, "minute": 56}
